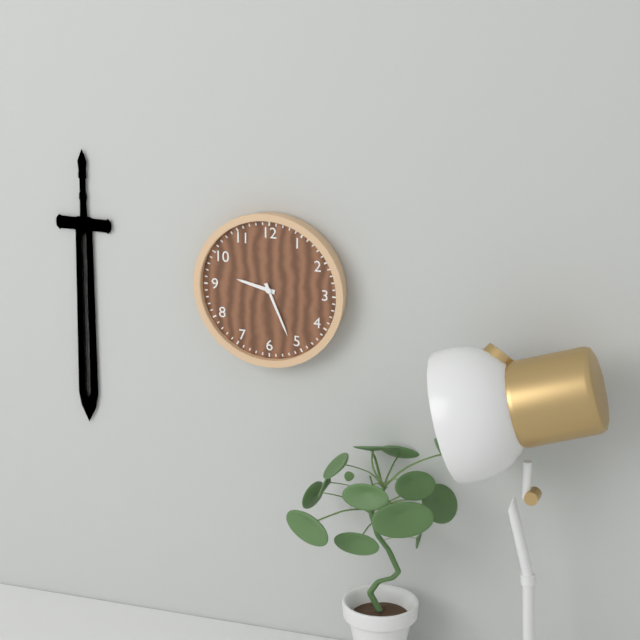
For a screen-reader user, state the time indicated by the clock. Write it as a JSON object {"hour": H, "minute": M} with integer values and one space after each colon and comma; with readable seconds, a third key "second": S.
{"hour": 9, "minute": 26}
